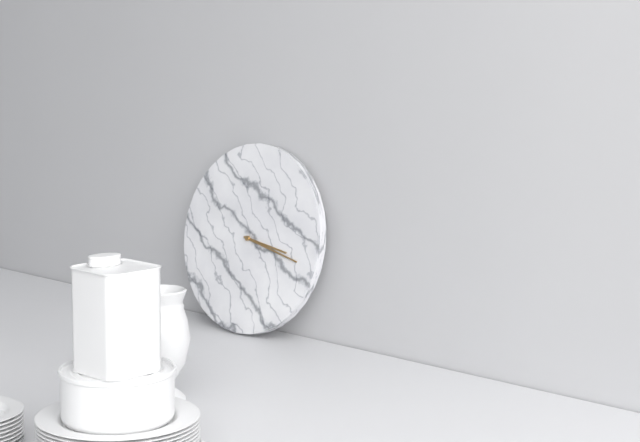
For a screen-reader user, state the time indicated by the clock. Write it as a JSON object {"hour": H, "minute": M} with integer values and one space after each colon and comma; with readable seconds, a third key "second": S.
{"hour": 3, "minute": 17}
